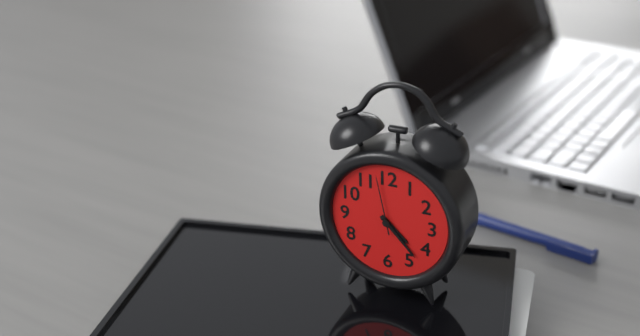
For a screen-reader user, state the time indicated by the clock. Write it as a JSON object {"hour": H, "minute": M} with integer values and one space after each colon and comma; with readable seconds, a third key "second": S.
{"hour": 4, "minute": 23, "second": 58}
